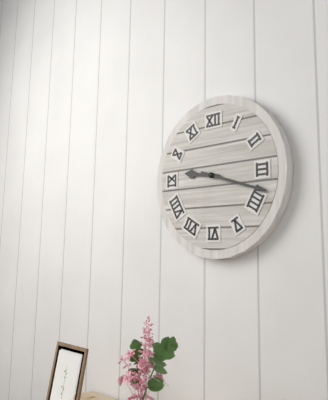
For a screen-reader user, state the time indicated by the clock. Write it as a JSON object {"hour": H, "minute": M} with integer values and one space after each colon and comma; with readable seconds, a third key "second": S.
{"hour": 9, "minute": 18}
